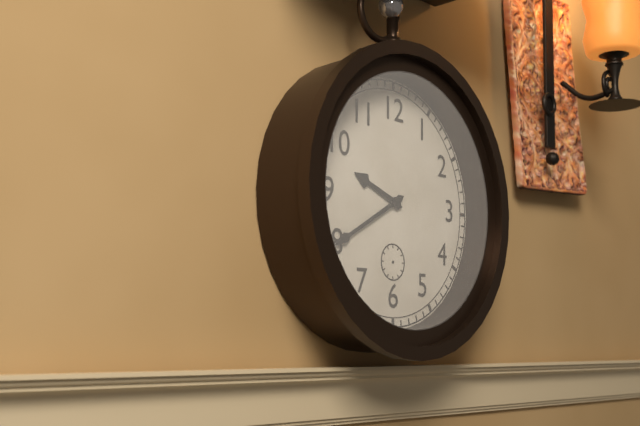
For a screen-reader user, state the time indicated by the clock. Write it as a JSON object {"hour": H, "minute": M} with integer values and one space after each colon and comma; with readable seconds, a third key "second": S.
{"hour": 9, "minute": 40}
